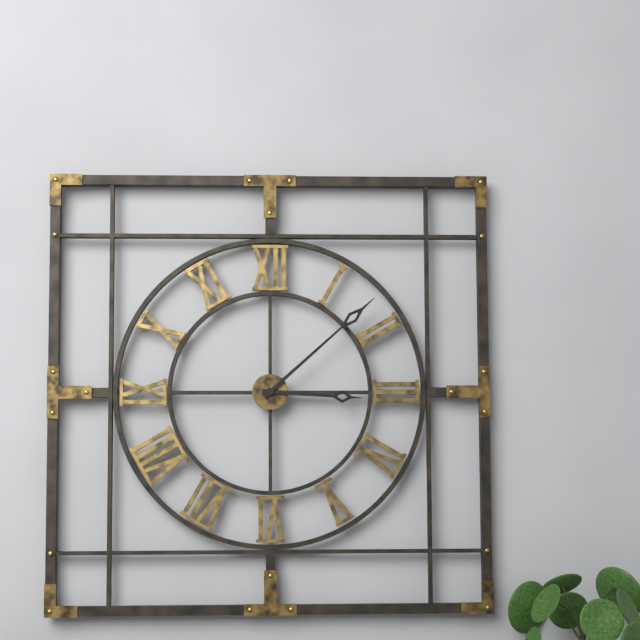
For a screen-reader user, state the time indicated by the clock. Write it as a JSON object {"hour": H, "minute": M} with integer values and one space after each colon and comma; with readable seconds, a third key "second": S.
{"hour": 3, "minute": 8}
